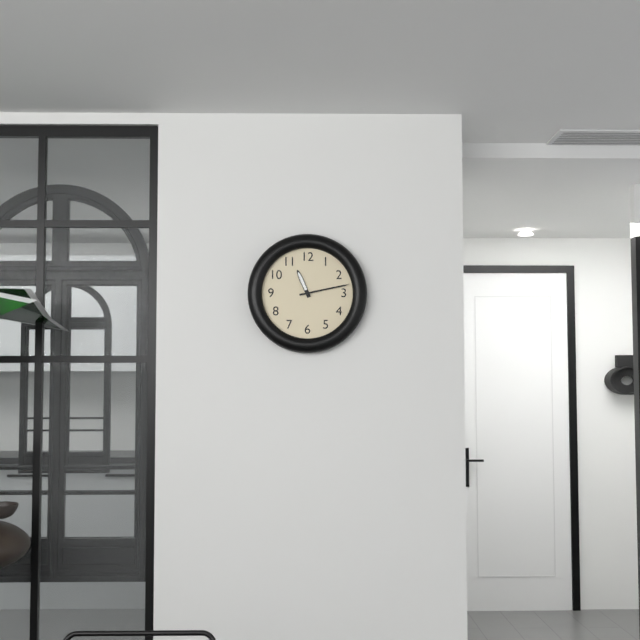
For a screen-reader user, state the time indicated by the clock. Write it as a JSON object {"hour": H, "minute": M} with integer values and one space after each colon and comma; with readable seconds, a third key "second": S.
{"hour": 11, "minute": 13}
